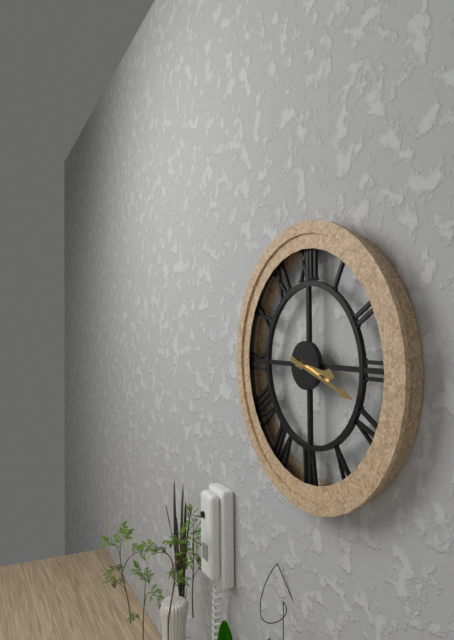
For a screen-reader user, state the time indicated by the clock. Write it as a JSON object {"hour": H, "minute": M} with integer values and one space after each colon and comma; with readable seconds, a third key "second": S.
{"hour": 3, "minute": 18}
